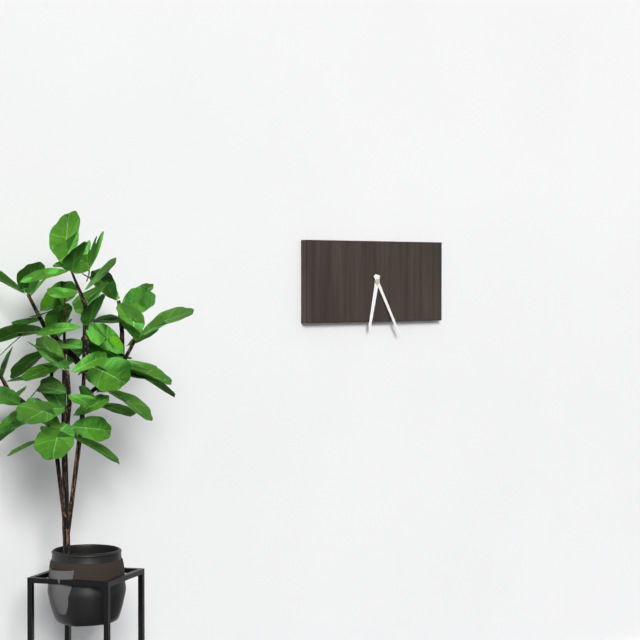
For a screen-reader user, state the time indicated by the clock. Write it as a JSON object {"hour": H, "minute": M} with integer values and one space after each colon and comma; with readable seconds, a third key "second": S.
{"hour": 6, "minute": 25}
